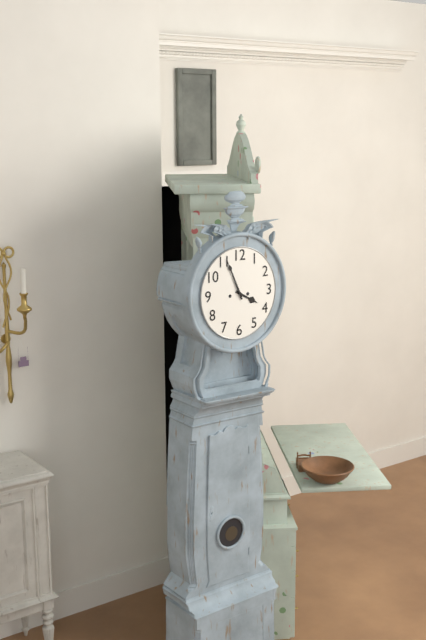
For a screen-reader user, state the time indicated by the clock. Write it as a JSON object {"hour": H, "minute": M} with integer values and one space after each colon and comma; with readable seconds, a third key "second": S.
{"hour": 3, "minute": 56}
